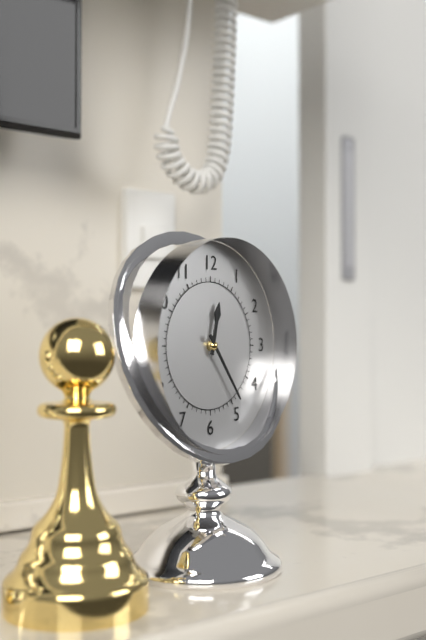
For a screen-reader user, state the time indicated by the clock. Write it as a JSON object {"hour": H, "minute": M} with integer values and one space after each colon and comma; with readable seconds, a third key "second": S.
{"hour": 12, "minute": 24}
